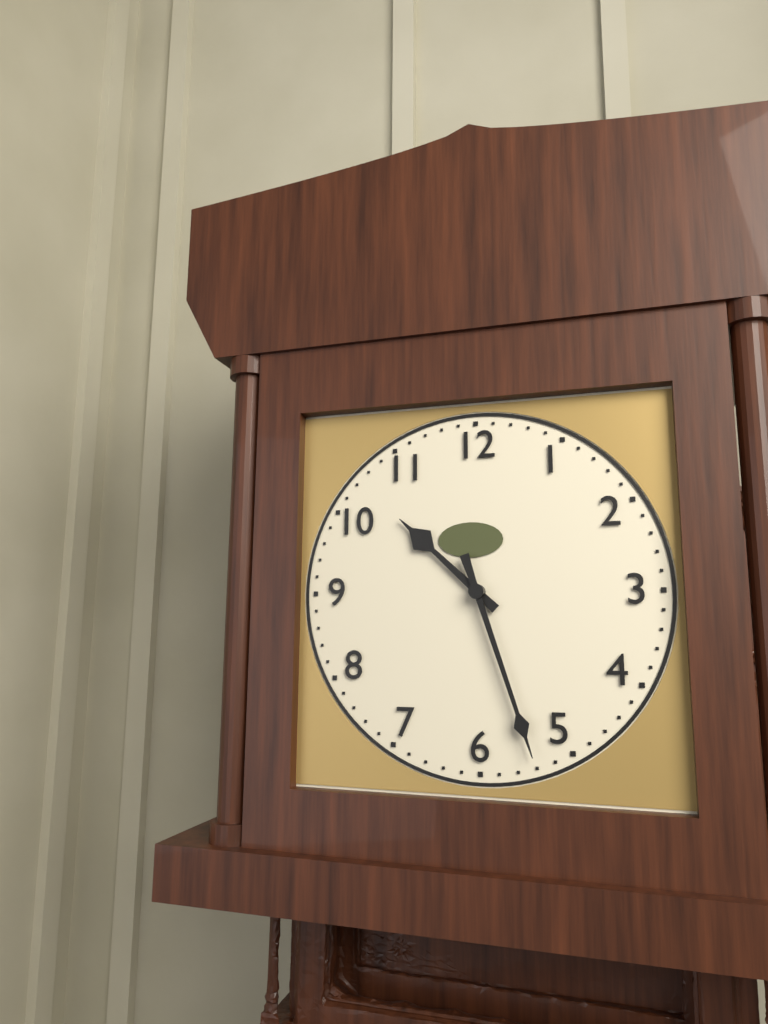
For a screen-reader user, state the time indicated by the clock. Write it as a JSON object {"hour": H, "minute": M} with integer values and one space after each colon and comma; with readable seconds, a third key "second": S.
{"hour": 10, "minute": 27}
